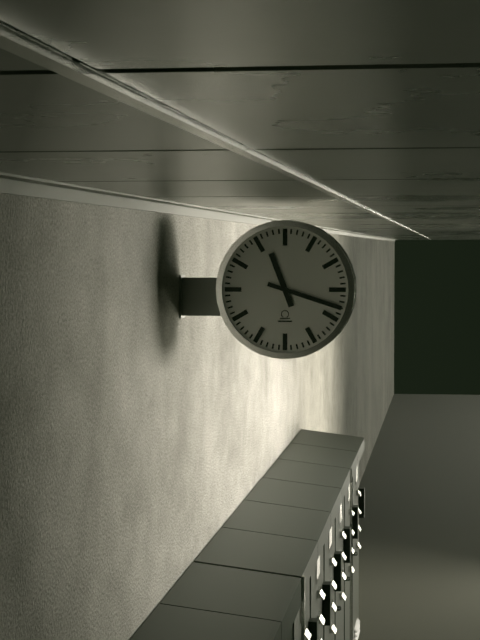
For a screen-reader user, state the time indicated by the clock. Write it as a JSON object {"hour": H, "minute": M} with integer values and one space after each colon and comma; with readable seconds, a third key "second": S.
{"hour": 11, "minute": 18}
